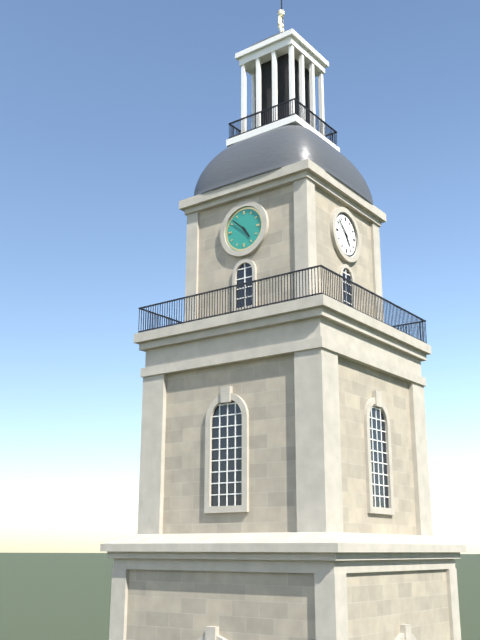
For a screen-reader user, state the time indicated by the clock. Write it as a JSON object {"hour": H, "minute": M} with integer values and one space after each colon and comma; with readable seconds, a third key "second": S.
{"hour": 4, "minute": 52}
